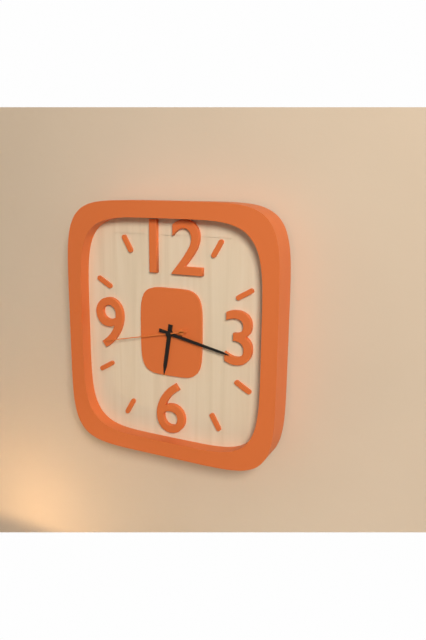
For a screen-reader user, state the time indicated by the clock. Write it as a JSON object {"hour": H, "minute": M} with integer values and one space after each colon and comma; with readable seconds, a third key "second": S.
{"hour": 6, "minute": 17, "second": 43}
